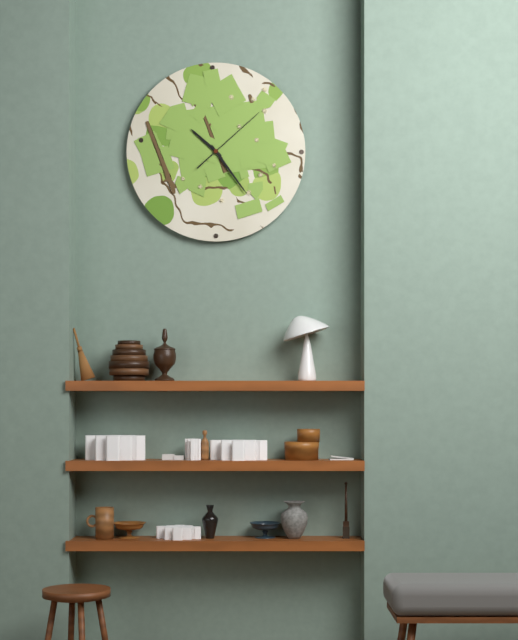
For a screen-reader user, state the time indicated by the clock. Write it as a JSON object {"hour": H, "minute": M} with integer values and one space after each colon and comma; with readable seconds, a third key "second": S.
{"hour": 10, "minute": 24, "second": 8}
